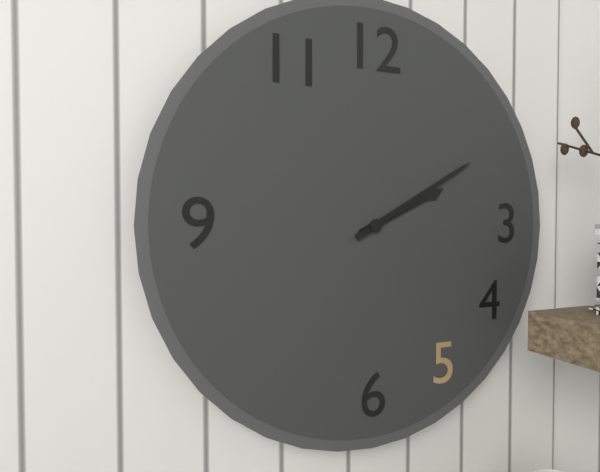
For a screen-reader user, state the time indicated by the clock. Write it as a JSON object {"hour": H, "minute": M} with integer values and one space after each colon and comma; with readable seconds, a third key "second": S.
{"hour": 2, "minute": 10}
